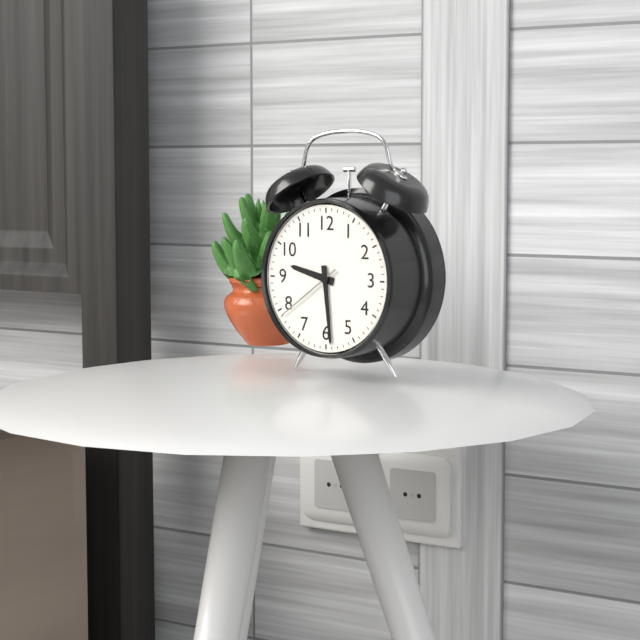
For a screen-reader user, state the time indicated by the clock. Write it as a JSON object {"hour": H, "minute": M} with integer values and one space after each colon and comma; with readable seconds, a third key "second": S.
{"hour": 9, "minute": 29, "second": 39}
